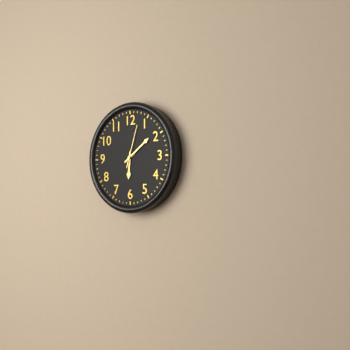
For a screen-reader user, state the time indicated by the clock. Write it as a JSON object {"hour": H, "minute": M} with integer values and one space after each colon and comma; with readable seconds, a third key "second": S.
{"hour": 6, "minute": 9}
